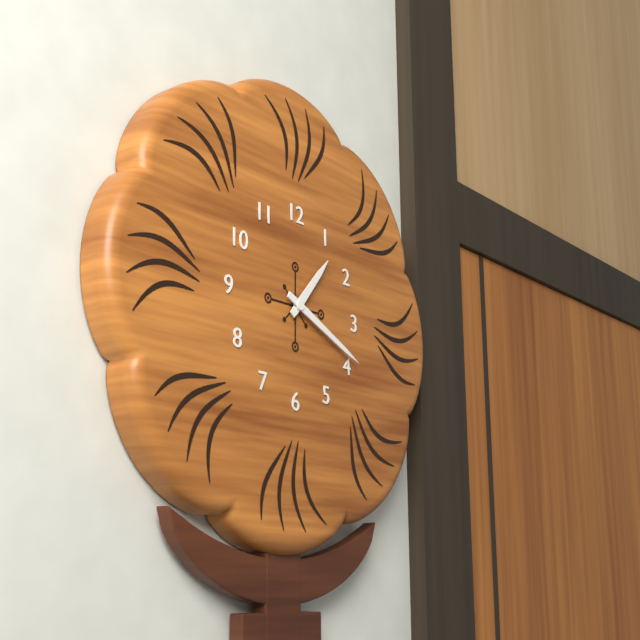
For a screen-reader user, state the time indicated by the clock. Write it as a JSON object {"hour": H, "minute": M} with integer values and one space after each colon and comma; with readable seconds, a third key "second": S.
{"hour": 1, "minute": 19}
